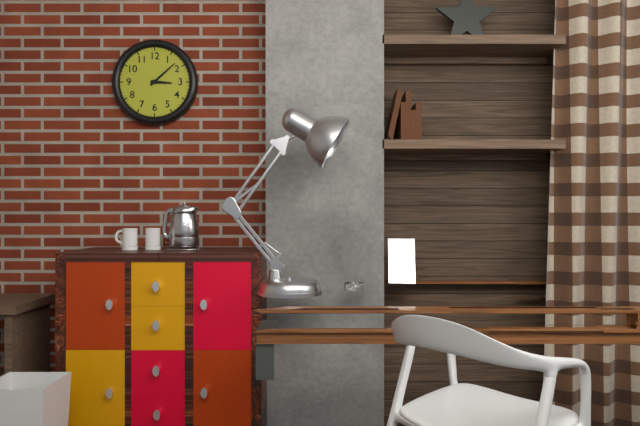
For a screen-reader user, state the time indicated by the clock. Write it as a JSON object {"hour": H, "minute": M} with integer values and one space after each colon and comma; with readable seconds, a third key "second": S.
{"hour": 3, "minute": 8}
